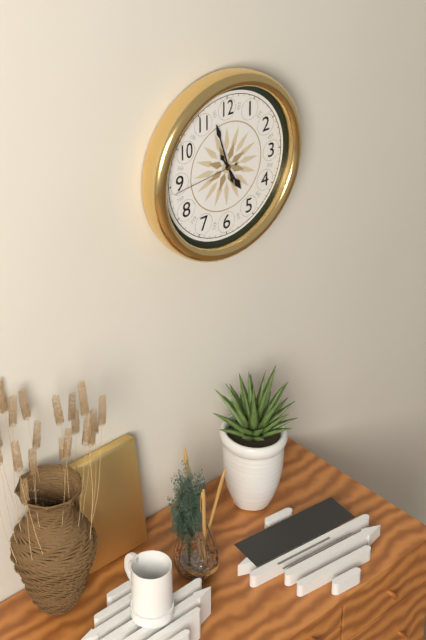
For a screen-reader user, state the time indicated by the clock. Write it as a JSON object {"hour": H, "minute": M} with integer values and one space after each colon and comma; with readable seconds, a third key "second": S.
{"hour": 4, "minute": 57, "second": 44}
